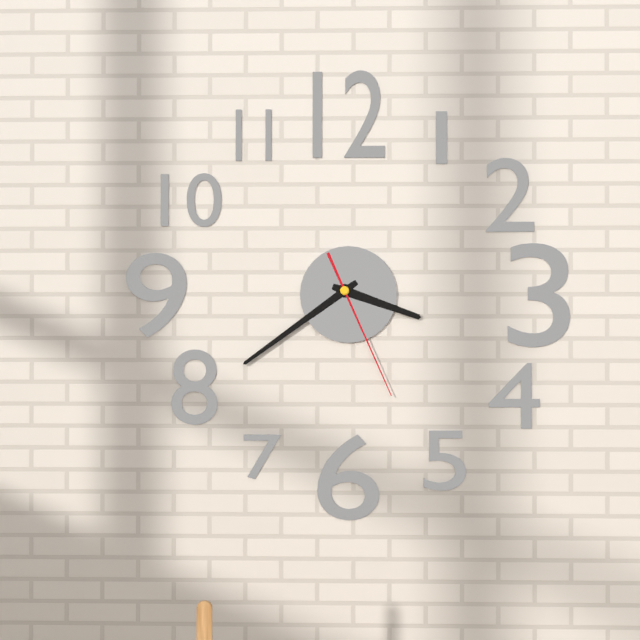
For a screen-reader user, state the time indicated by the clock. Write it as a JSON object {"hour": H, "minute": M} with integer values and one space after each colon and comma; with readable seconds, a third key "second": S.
{"hour": 3, "minute": 39, "second": 26}
